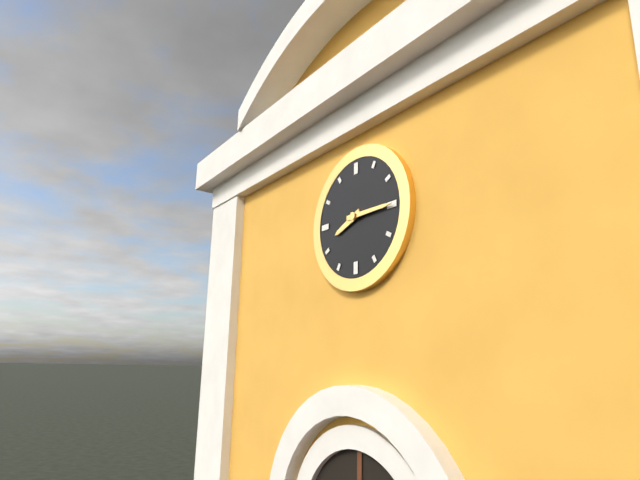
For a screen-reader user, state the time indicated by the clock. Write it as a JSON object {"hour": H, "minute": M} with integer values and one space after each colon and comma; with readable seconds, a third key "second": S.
{"hour": 8, "minute": 15}
